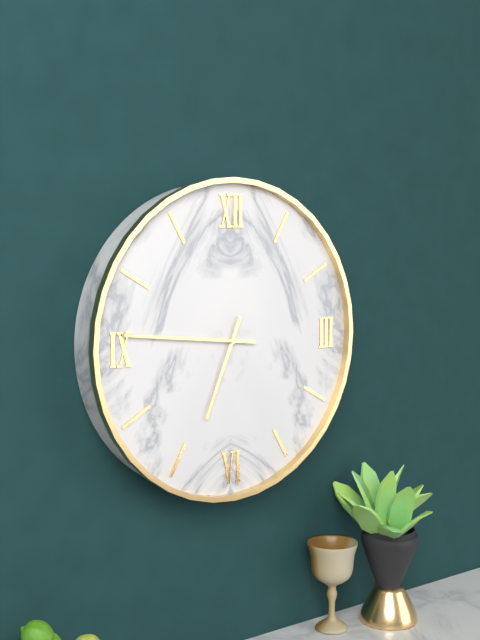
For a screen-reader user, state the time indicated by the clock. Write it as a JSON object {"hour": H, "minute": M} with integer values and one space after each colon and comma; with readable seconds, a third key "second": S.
{"hour": 6, "minute": 46}
